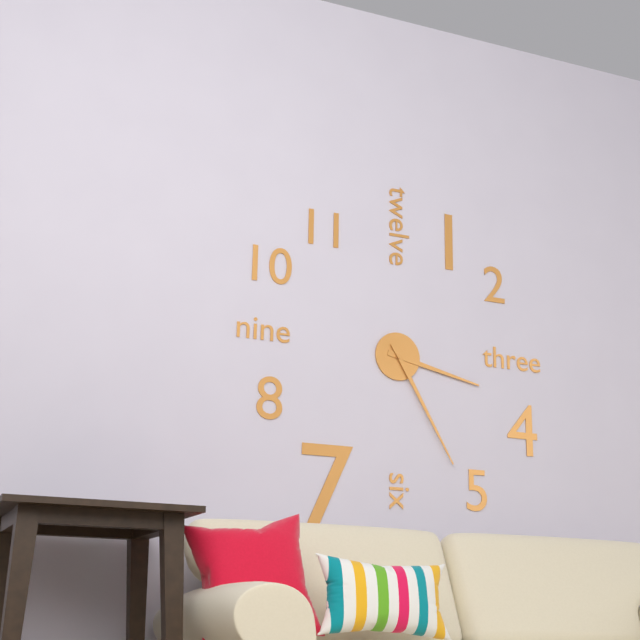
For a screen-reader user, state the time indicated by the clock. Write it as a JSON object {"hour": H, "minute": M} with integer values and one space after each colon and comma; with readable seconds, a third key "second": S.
{"hour": 3, "minute": 25}
